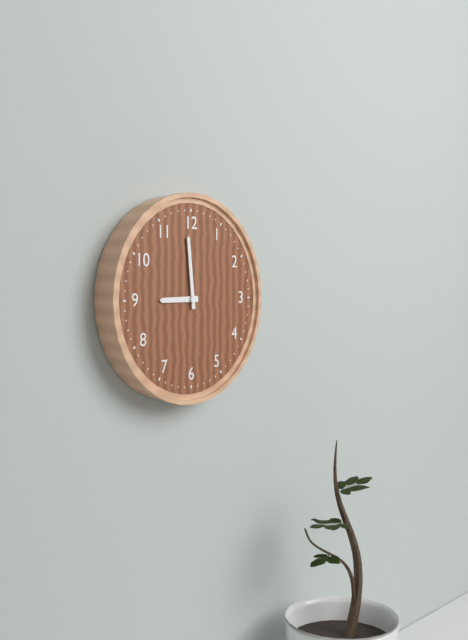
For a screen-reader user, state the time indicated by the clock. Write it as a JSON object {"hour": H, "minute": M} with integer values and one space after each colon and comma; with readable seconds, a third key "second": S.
{"hour": 8, "minute": 59}
